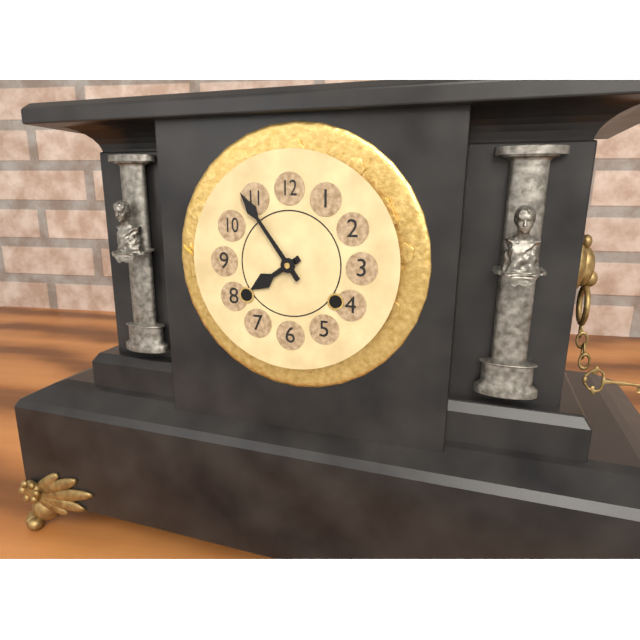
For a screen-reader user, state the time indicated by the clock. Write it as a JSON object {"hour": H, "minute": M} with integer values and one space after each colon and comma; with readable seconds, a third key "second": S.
{"hour": 7, "minute": 54}
